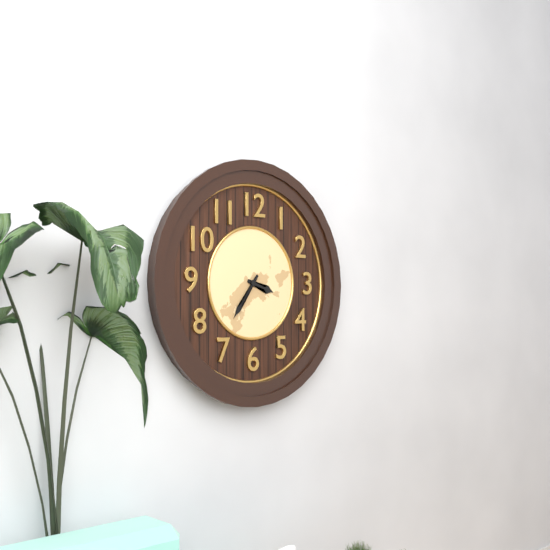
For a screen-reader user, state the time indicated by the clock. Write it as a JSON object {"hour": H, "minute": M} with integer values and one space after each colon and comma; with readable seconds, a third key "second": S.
{"hour": 3, "minute": 36}
